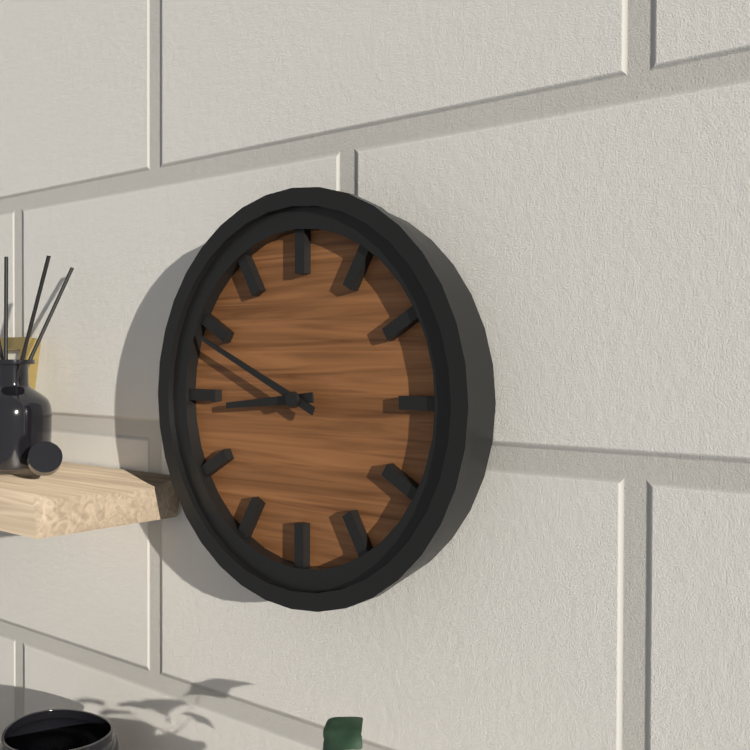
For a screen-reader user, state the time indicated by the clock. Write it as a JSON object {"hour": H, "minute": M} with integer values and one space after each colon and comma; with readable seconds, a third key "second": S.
{"hour": 8, "minute": 49}
